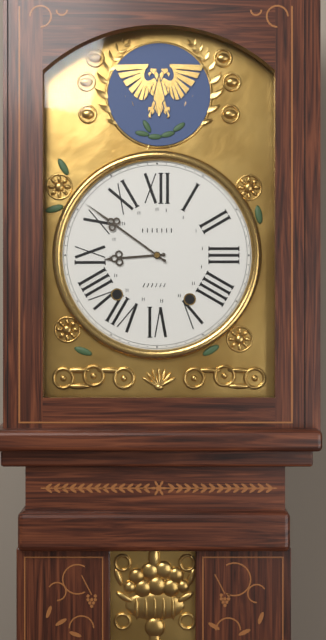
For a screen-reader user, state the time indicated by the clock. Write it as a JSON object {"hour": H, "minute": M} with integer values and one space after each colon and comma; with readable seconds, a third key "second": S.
{"hour": 8, "minute": 51}
